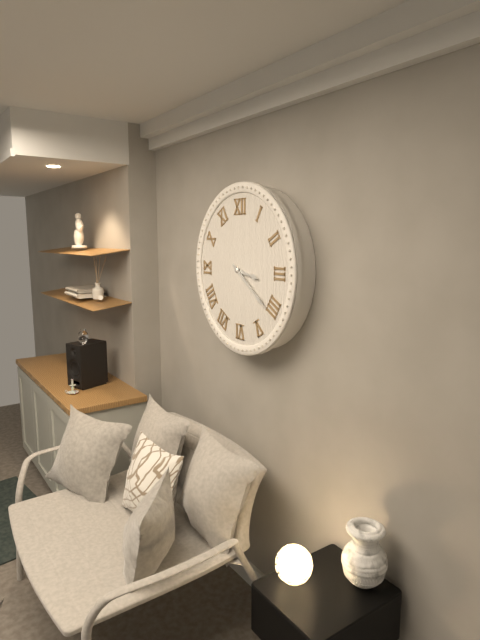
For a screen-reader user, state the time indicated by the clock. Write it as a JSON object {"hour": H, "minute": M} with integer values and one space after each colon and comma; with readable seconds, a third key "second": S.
{"hour": 3, "minute": 21}
